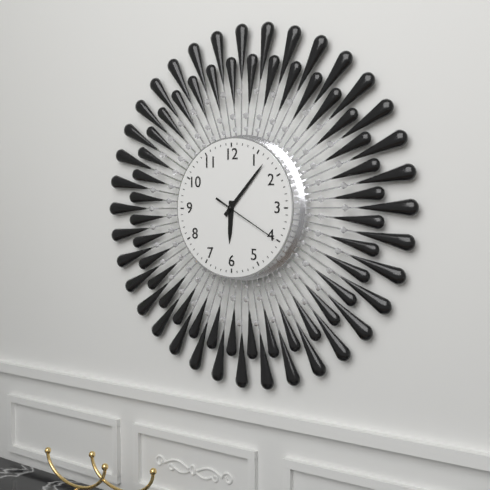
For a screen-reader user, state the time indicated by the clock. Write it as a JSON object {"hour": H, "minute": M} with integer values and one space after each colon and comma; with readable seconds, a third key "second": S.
{"hour": 6, "minute": 7, "second": 20}
